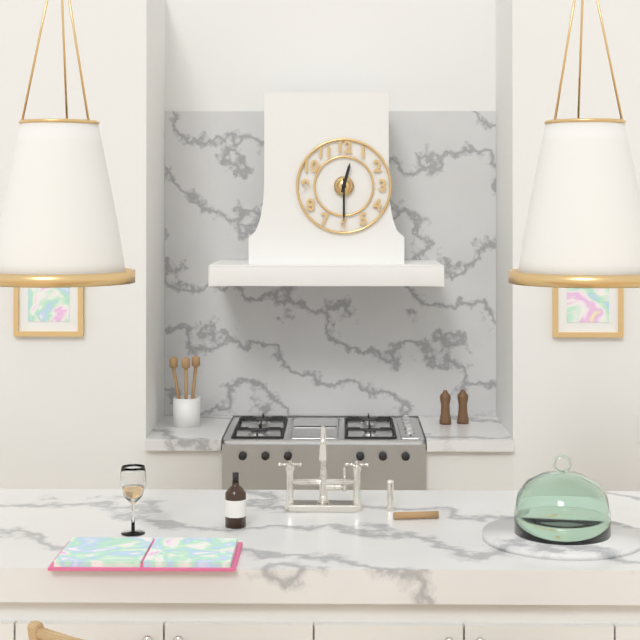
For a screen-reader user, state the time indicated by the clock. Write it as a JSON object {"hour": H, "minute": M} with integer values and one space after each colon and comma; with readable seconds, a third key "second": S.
{"hour": 12, "minute": 30}
